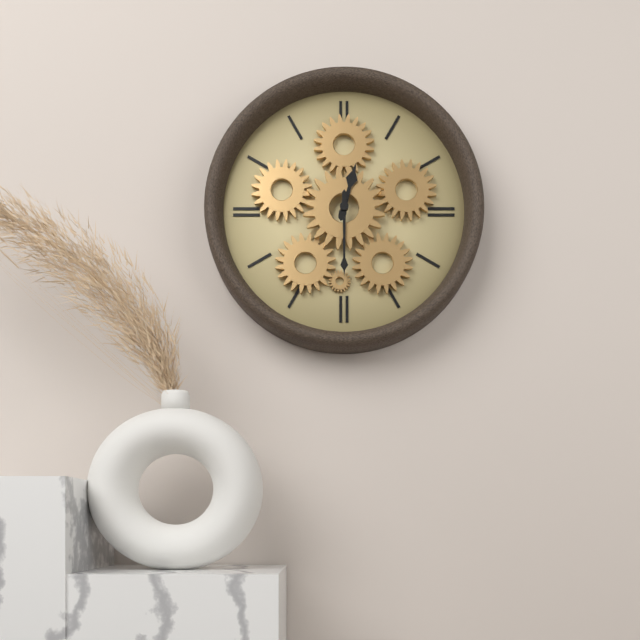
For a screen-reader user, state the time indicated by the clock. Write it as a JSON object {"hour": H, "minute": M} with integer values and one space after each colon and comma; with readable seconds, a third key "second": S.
{"hour": 12, "minute": 30}
